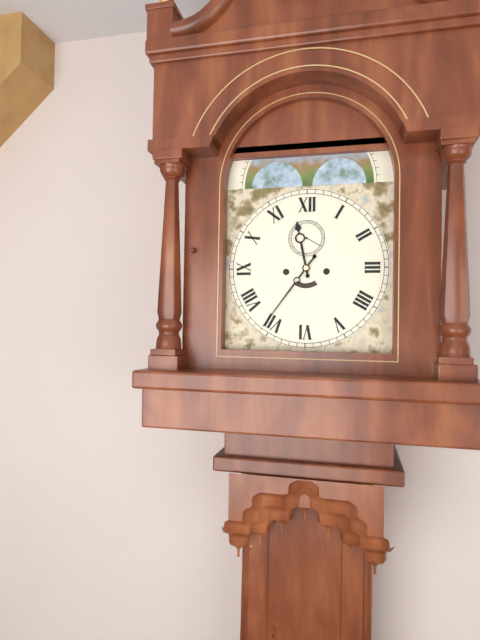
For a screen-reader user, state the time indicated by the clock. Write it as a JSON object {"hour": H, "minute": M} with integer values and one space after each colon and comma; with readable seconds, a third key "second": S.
{"hour": 11, "minute": 36}
